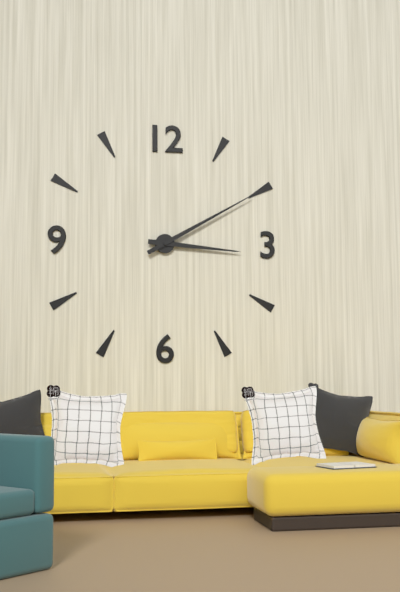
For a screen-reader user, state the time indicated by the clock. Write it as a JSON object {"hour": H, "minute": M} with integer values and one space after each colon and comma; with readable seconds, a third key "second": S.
{"hour": 3, "minute": 10}
